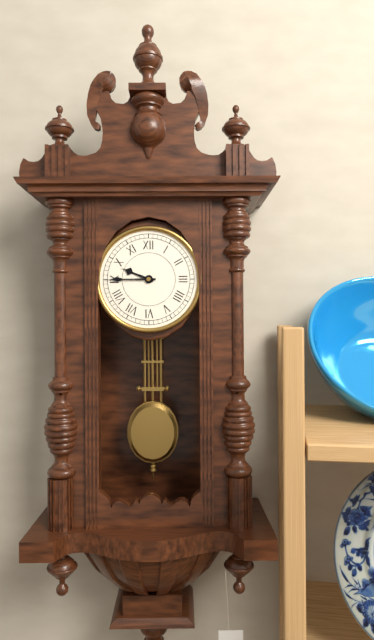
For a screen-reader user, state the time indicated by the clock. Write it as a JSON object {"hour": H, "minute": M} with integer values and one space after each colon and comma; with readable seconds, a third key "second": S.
{"hour": 9, "minute": 45}
